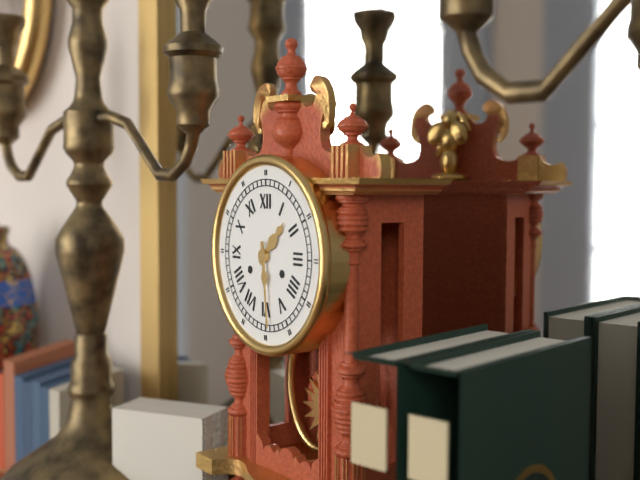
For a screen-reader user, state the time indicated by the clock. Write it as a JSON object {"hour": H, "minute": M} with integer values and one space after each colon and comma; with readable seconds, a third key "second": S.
{"hour": 1, "minute": 29}
